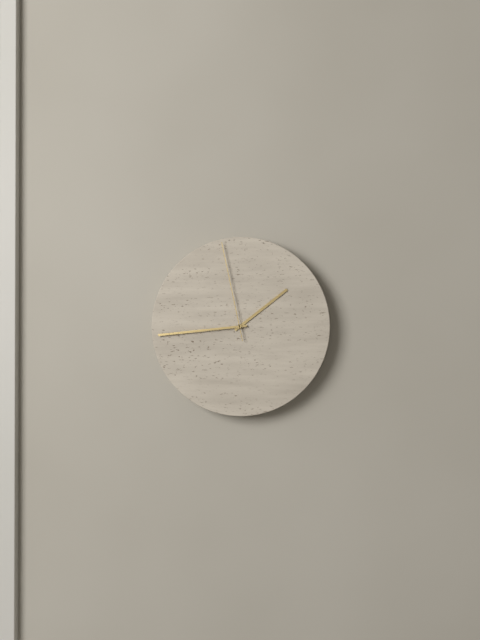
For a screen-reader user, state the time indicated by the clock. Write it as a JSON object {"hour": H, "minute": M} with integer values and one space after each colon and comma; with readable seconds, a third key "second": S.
{"hour": 1, "minute": 44, "second": 58}
